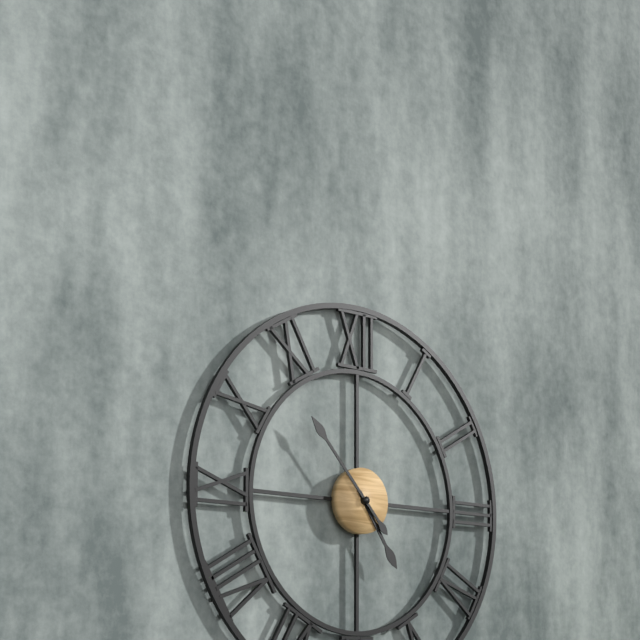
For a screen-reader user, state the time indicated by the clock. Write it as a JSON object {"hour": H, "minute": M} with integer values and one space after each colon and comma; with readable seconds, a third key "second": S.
{"hour": 4, "minute": 53}
